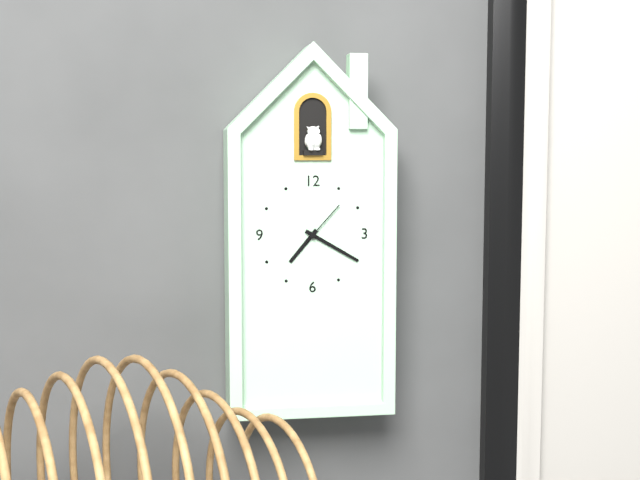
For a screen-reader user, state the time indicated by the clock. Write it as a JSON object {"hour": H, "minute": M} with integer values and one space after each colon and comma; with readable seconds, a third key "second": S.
{"hour": 7, "minute": 20, "second": 7}
